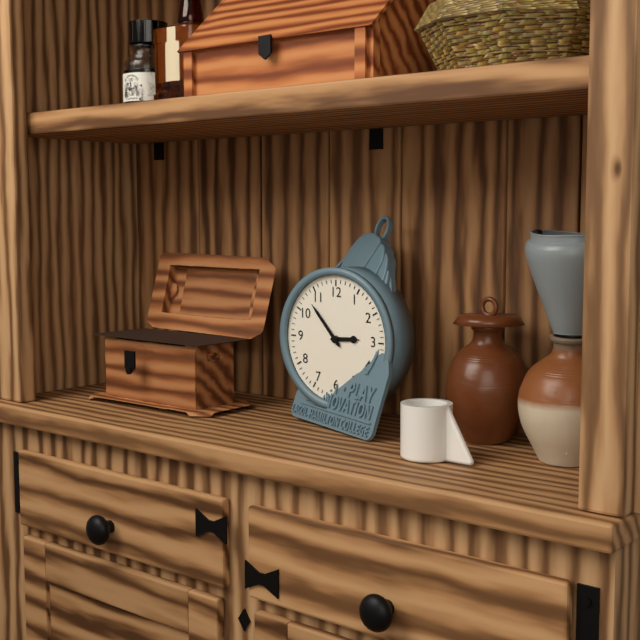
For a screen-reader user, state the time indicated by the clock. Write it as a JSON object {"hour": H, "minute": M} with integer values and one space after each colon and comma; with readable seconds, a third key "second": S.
{"hour": 2, "minute": 53}
